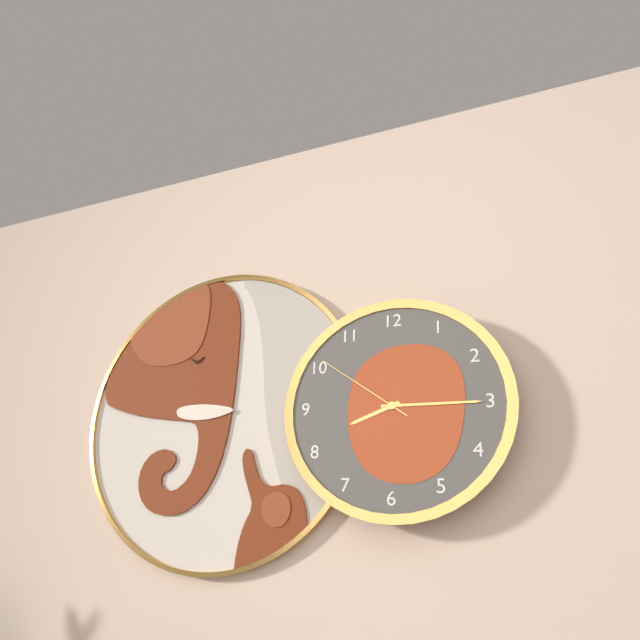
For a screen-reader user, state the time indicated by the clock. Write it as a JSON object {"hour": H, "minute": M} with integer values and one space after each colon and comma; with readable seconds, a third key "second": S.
{"hour": 8, "minute": 15, "second": 51}
